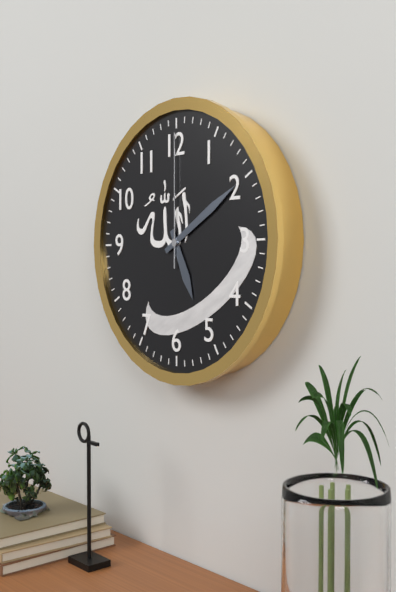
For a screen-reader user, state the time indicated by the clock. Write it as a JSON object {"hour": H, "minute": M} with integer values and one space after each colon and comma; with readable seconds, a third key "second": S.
{"hour": 5, "minute": 10, "second": 0}
